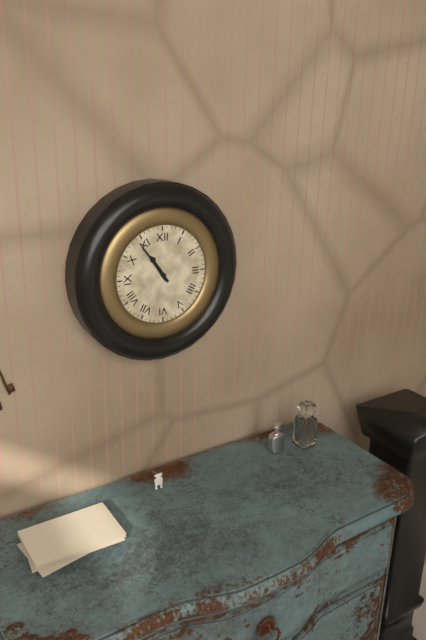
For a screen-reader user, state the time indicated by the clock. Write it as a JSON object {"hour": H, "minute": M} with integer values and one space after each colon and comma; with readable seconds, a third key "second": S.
{"hour": 10, "minute": 54}
